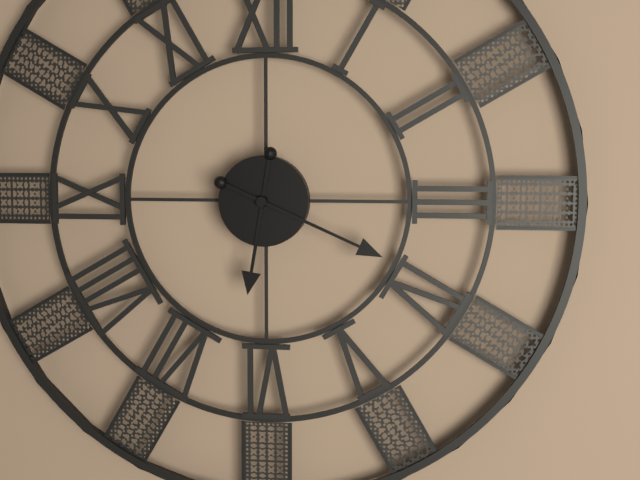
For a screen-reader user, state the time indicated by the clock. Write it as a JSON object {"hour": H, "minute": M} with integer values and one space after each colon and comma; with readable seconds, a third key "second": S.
{"hour": 6, "minute": 19}
